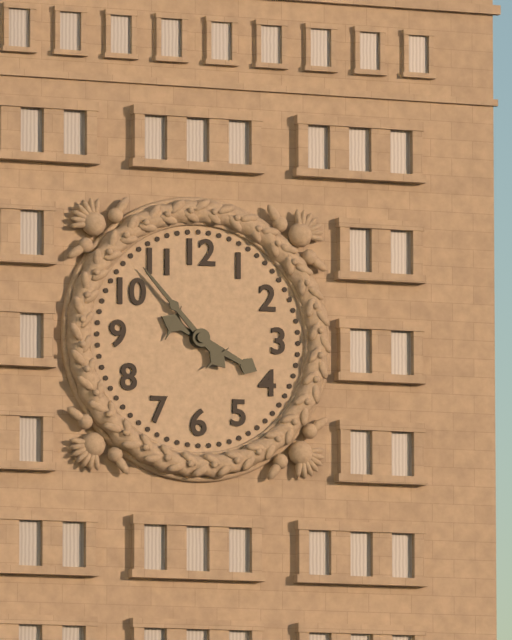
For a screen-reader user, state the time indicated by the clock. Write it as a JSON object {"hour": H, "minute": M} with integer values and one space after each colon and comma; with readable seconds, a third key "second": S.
{"hour": 3, "minute": 53}
